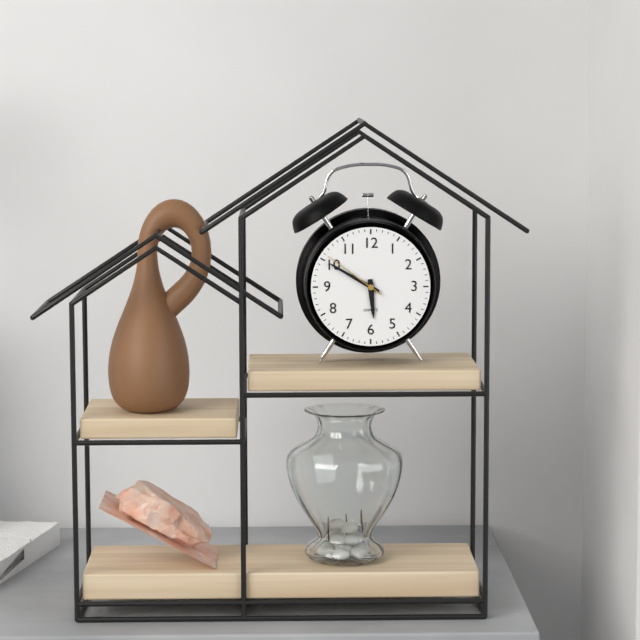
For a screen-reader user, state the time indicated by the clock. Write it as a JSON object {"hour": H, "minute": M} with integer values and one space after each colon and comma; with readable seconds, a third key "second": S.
{"hour": 5, "minute": 50, "second": 51}
